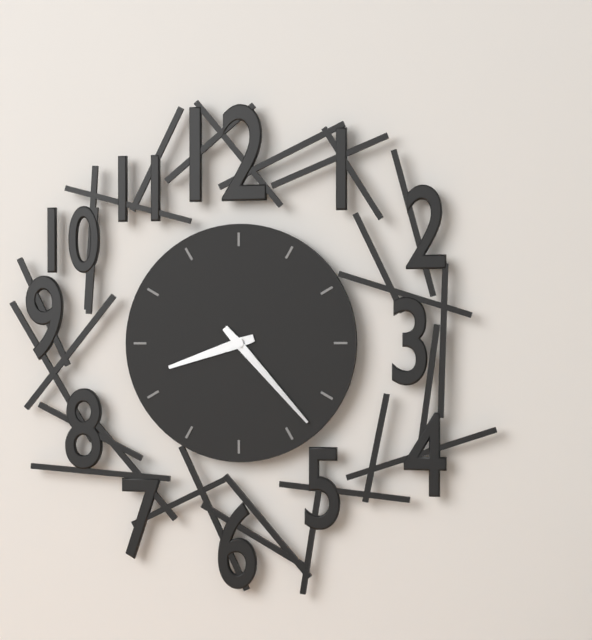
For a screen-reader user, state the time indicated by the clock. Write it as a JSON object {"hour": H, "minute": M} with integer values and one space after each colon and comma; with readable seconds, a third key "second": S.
{"hour": 8, "minute": 23}
